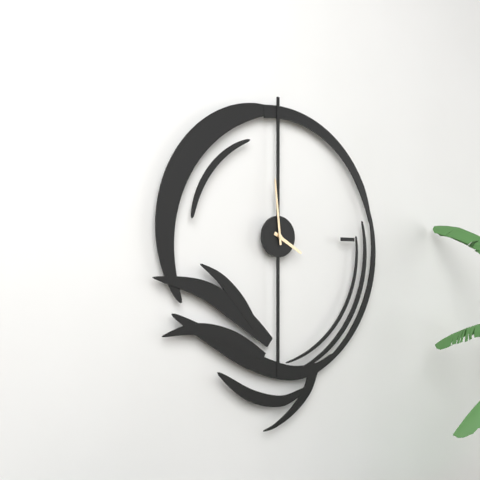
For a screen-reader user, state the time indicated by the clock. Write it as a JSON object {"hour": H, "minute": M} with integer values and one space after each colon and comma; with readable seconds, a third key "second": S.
{"hour": 3, "minute": 59}
